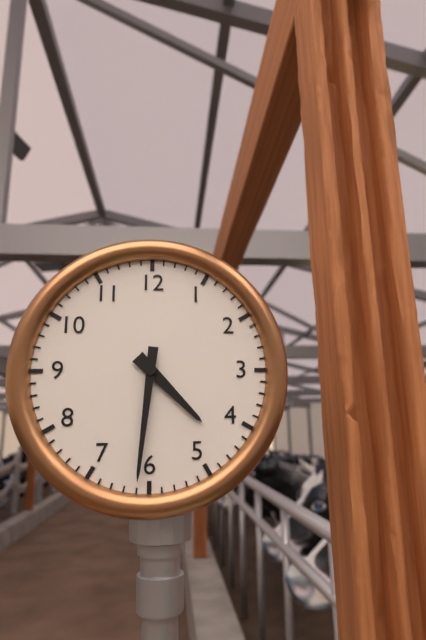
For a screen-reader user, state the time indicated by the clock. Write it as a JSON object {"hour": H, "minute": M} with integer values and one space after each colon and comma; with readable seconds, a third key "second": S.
{"hour": 4, "minute": 31}
